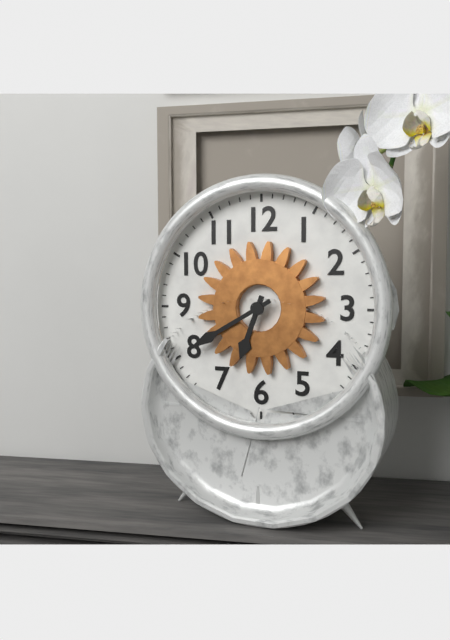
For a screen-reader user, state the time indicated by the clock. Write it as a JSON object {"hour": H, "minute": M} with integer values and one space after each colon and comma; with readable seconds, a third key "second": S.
{"hour": 6, "minute": 40}
